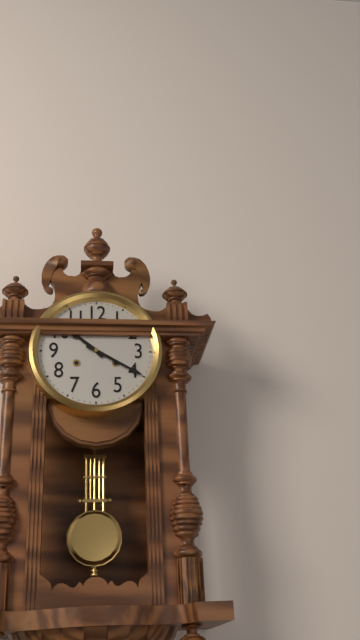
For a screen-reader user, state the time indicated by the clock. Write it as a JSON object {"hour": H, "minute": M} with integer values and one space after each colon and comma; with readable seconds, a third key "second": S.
{"hour": 10, "minute": 20}
